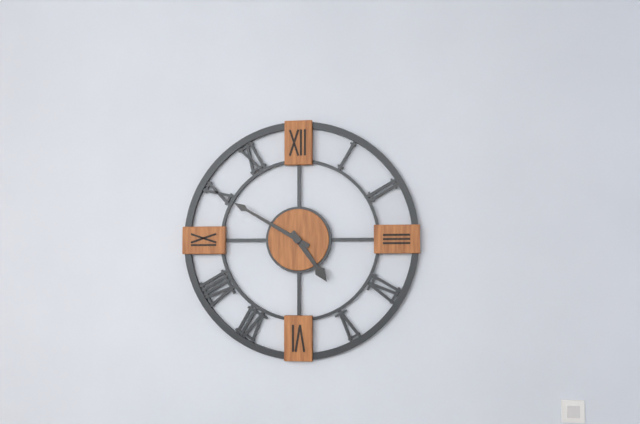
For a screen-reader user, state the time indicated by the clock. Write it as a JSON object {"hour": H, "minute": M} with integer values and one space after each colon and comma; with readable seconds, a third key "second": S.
{"hour": 4, "minute": 50}
